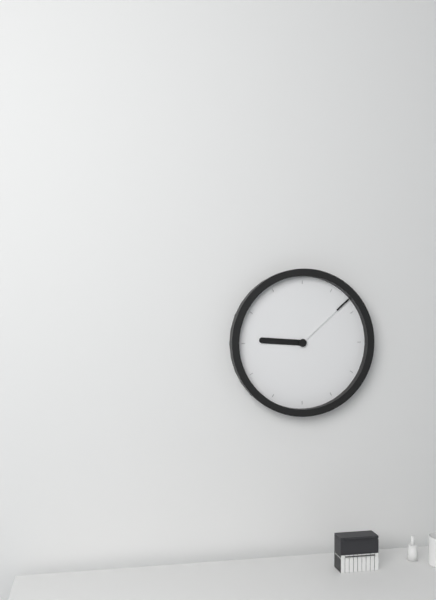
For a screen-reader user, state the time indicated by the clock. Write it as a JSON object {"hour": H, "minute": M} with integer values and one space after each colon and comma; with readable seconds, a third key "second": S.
{"hour": 9, "minute": 8}
